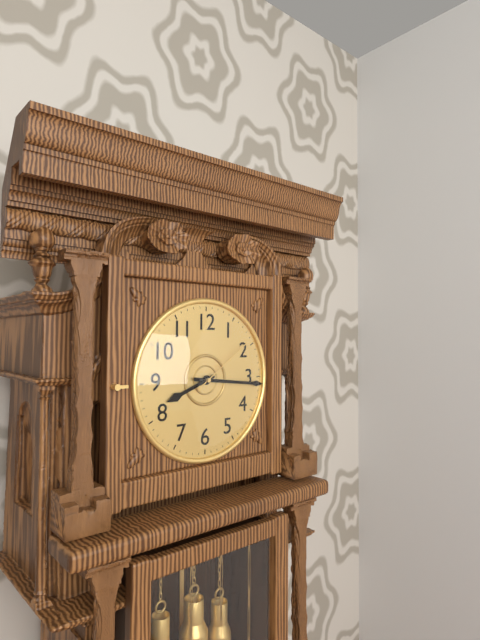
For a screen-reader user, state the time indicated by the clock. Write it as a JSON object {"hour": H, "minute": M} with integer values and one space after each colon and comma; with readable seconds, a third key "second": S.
{"hour": 8, "minute": 16, "second": 9}
